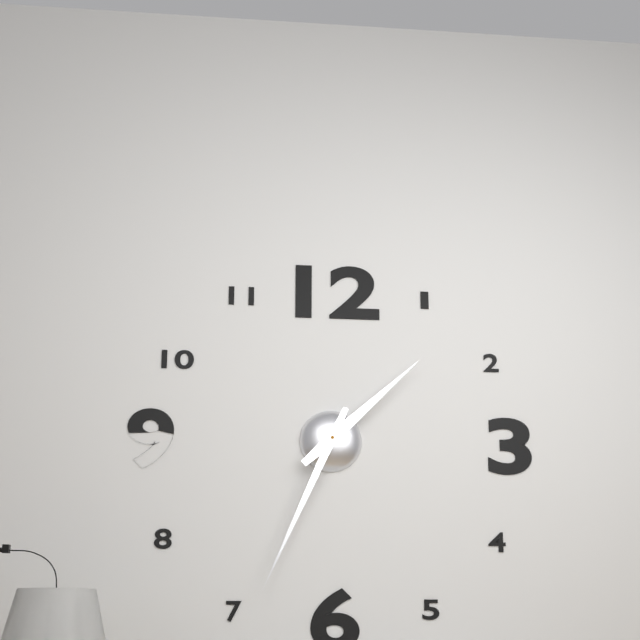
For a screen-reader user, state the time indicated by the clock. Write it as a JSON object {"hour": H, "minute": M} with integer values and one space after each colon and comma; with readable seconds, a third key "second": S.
{"hour": 1, "minute": 34}
